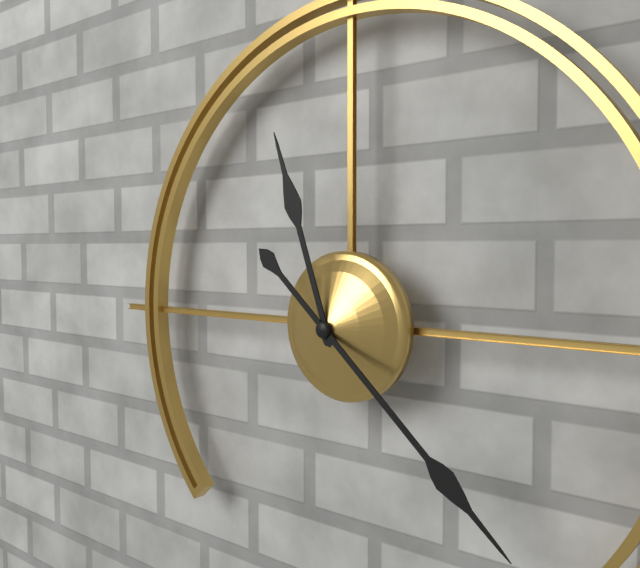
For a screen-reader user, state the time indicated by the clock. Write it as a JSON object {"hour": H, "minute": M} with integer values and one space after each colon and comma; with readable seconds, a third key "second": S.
{"hour": 11, "minute": 22}
